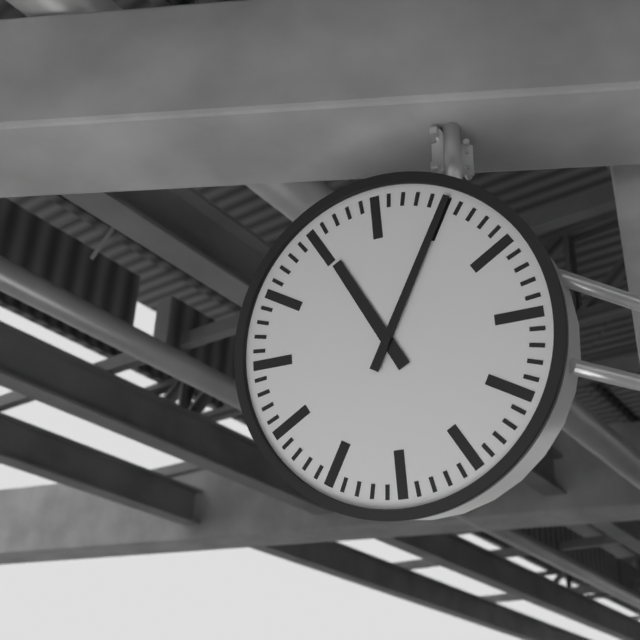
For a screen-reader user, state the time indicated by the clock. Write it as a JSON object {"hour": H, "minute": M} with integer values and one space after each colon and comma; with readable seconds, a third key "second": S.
{"hour": 11, "minute": 5}
